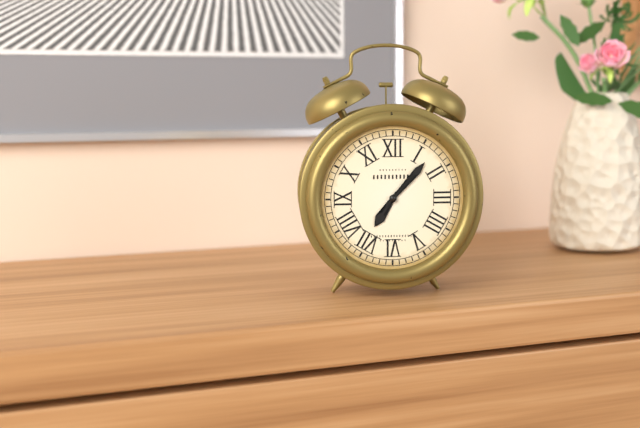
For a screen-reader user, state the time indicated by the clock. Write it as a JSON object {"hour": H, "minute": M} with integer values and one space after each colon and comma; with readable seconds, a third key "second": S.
{"hour": 7, "minute": 7}
